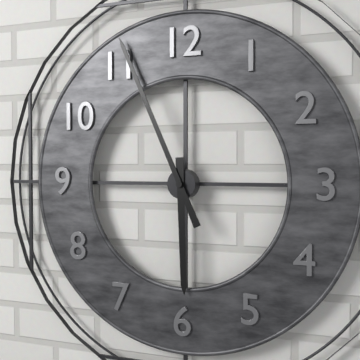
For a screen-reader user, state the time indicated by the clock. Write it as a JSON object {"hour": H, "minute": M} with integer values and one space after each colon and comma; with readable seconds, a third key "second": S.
{"hour": 5, "minute": 56}
